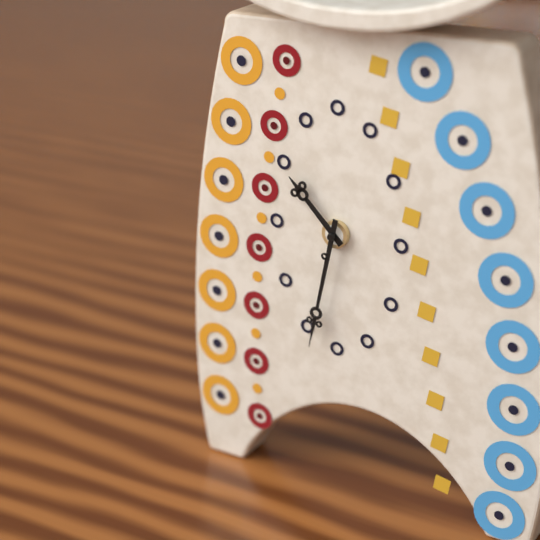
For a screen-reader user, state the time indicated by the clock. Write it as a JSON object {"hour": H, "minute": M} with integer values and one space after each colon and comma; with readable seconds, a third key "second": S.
{"hour": 10, "minute": 32}
